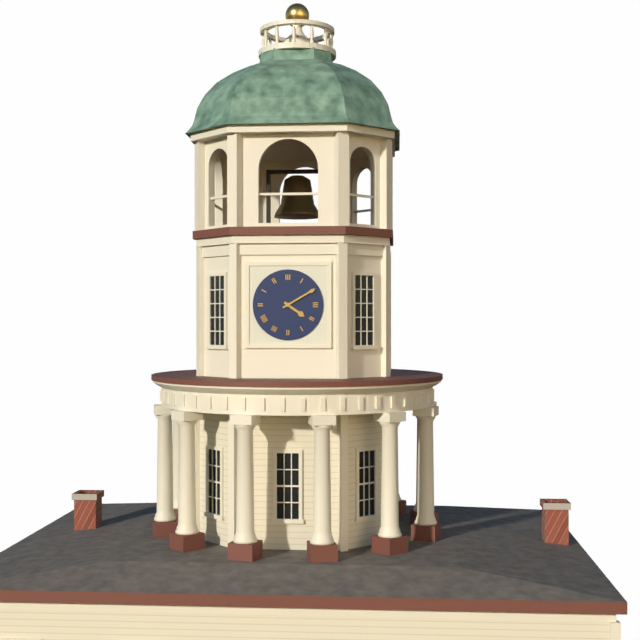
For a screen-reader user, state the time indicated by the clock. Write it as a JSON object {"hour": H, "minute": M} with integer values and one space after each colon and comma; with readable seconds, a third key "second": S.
{"hour": 4, "minute": 10}
